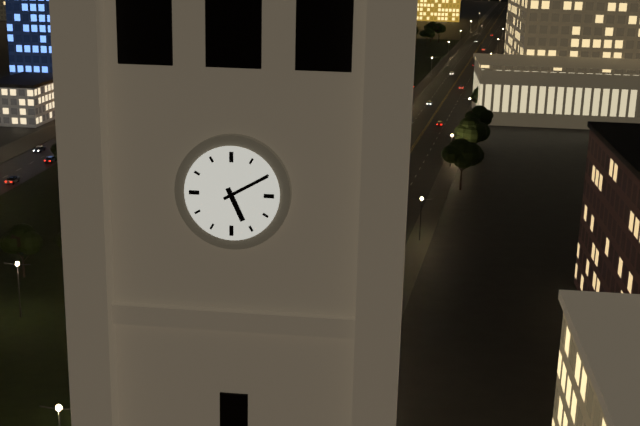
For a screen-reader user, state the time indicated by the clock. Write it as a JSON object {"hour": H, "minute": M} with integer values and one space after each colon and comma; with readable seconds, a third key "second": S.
{"hour": 5, "minute": 10}
